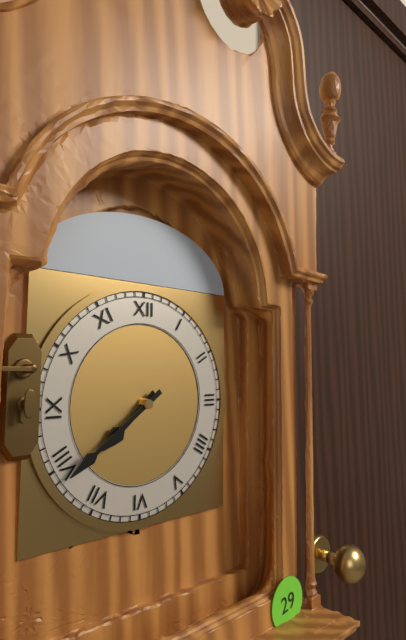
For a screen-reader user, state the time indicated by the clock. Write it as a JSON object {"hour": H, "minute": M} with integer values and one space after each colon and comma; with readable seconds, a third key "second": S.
{"hour": 7, "minute": 39}
